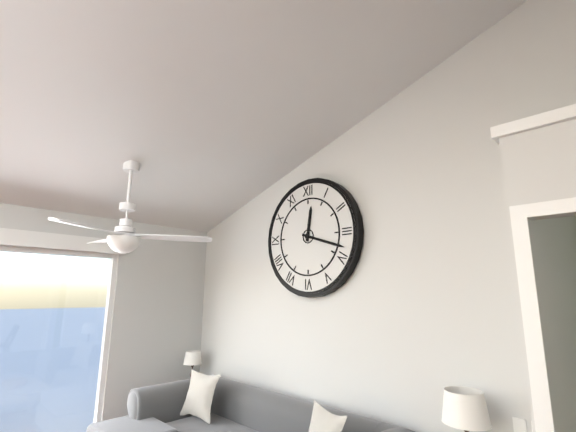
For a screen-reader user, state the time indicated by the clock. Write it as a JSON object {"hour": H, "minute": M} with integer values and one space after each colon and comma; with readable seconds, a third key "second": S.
{"hour": 12, "minute": 18}
